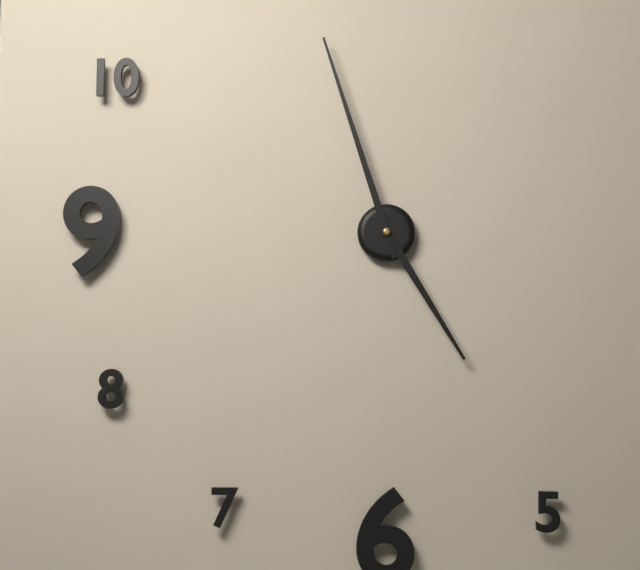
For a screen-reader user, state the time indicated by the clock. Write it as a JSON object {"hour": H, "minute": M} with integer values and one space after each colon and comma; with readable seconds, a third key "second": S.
{"hour": 4, "minute": 57}
